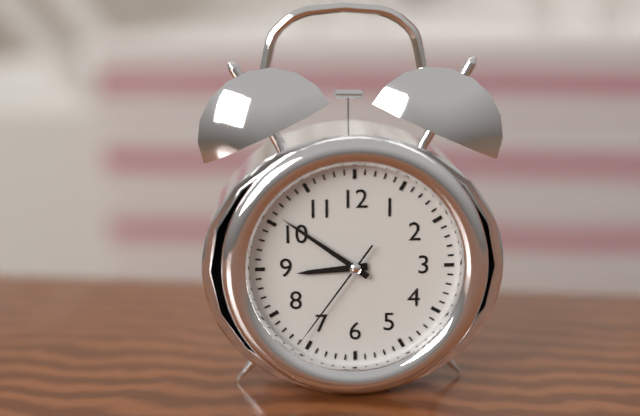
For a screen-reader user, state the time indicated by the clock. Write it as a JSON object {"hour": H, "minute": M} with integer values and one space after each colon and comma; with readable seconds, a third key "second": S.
{"hour": 8, "minute": 51, "second": 36}
